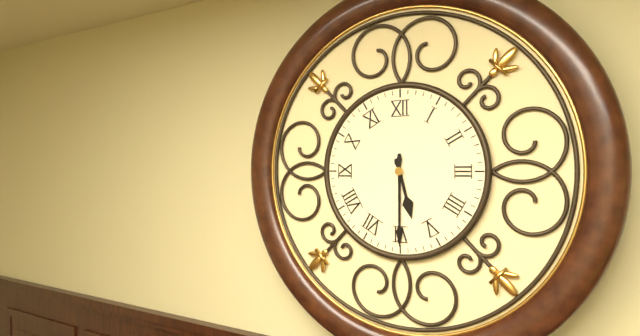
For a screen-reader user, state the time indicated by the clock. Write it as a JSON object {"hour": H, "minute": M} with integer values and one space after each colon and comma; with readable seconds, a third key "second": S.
{"hour": 5, "minute": 30}
